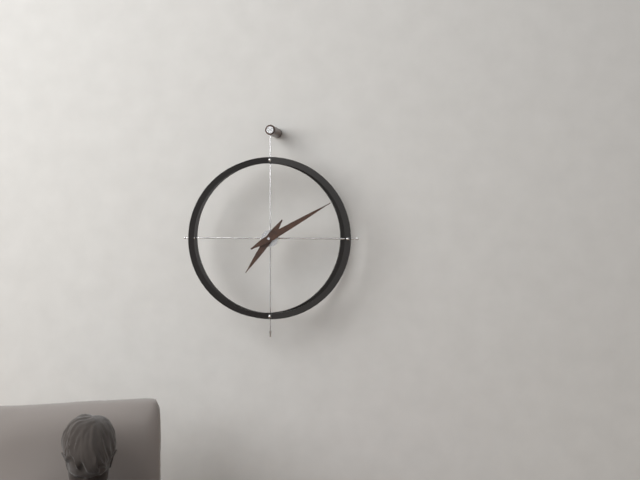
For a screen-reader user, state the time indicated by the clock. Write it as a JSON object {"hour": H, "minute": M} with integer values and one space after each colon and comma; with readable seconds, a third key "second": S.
{"hour": 7, "minute": 10}
